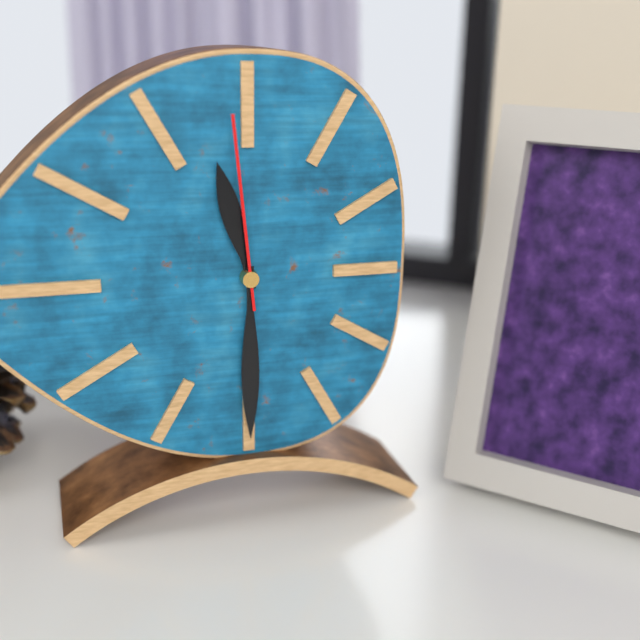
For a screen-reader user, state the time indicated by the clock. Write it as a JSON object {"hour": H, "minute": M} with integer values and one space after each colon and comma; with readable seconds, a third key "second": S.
{"hour": 11, "minute": 30, "second": 59}
